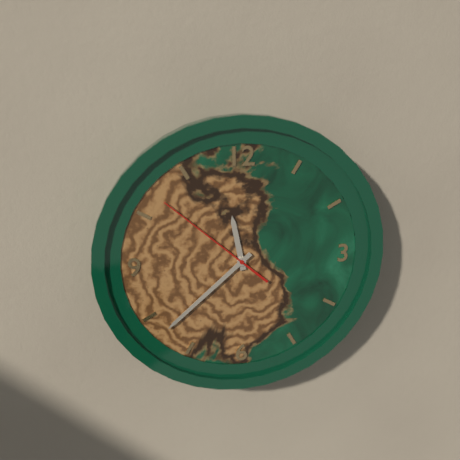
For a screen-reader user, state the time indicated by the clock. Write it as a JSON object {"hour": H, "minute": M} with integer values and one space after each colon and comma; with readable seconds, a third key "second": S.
{"hour": 11, "minute": 38, "second": 52}
